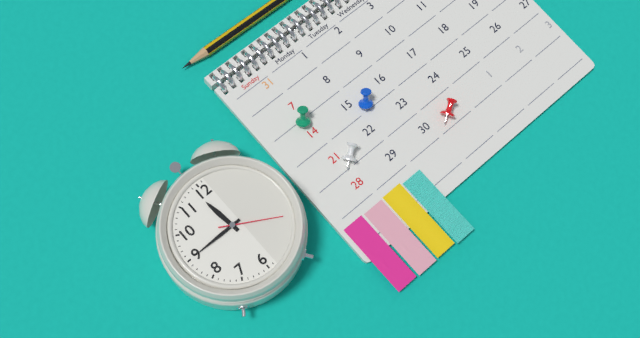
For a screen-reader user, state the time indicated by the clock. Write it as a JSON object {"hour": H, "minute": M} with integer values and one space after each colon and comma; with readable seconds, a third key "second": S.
{"hour": 11, "minute": 45, "second": 20}
